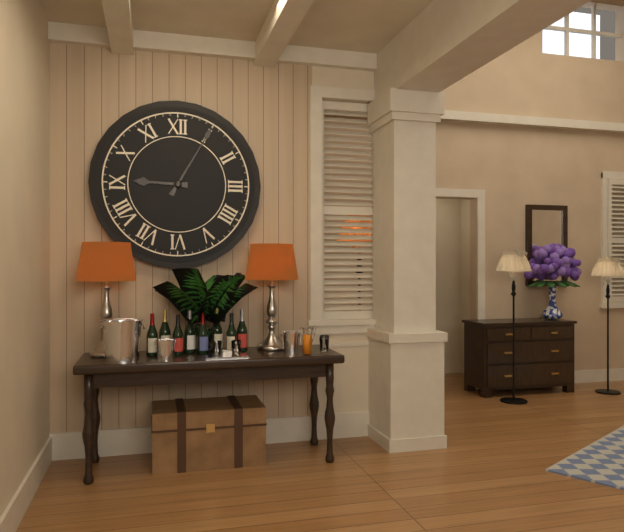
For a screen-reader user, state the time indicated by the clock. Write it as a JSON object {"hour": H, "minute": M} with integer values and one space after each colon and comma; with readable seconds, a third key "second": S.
{"hour": 9, "minute": 5}
